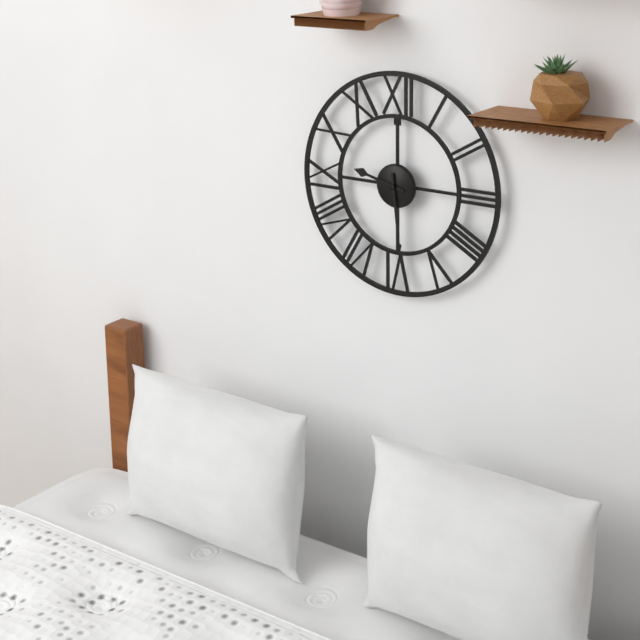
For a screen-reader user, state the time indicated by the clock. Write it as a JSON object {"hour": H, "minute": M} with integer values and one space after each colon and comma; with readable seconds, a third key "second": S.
{"hour": 9, "minute": 29}
